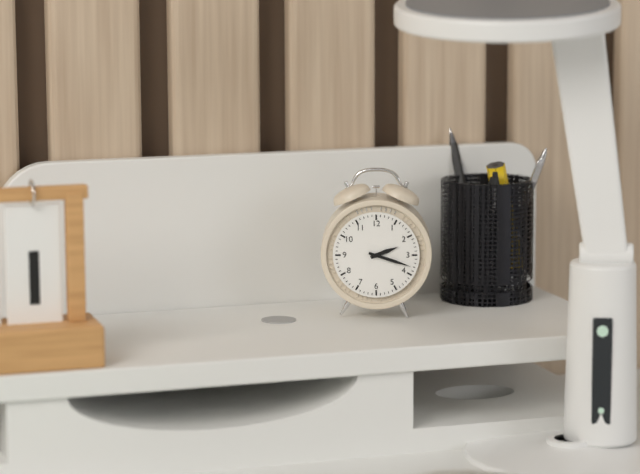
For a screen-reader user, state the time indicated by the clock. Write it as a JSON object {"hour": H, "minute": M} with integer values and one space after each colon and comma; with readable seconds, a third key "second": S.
{"hour": 2, "minute": 18}
